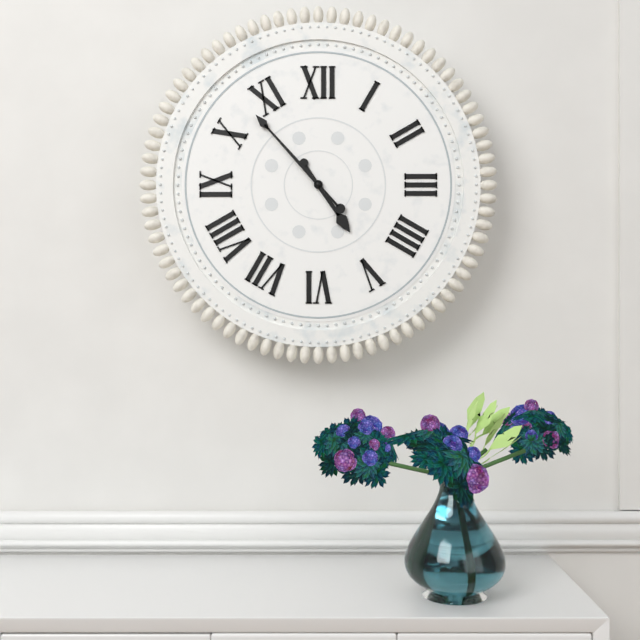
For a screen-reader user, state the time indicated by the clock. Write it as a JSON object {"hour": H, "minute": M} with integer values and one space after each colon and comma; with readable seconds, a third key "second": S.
{"hour": 4, "minute": 53}
